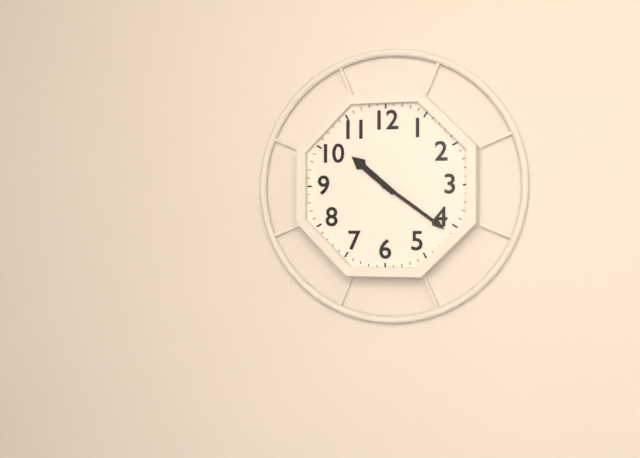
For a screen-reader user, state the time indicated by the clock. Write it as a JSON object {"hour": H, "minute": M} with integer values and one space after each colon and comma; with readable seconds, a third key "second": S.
{"hour": 10, "minute": 21}
